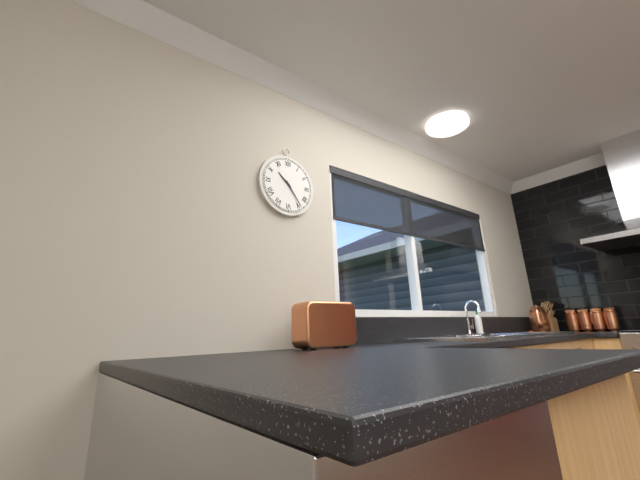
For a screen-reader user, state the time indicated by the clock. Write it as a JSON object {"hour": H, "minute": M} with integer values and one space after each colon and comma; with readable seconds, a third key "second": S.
{"hour": 10, "minute": 24}
